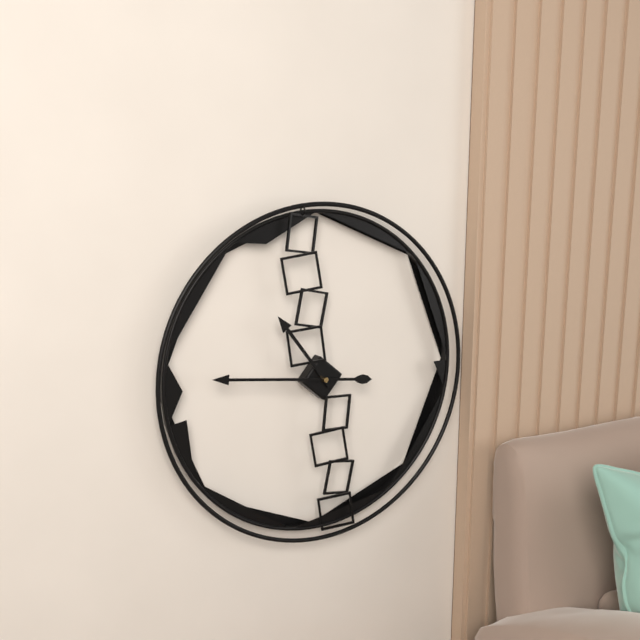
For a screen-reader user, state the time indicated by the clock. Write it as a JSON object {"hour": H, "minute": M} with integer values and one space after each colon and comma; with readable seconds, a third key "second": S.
{"hour": 10, "minute": 46}
